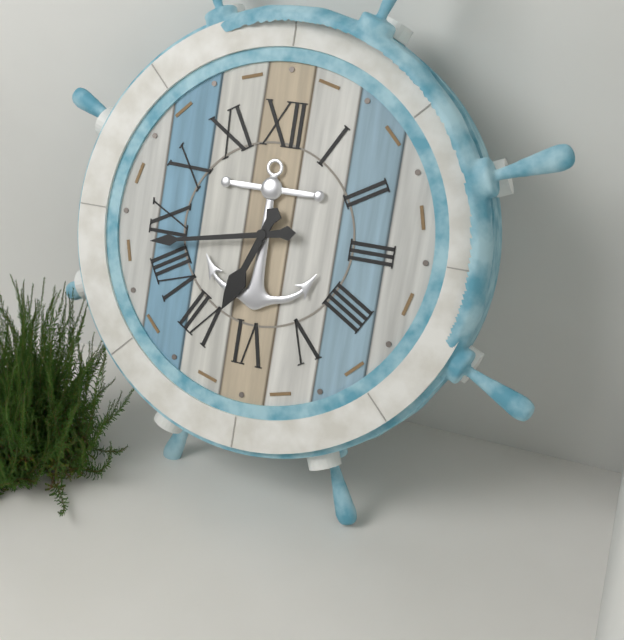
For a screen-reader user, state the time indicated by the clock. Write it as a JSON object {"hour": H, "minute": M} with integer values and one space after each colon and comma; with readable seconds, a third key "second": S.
{"hour": 6, "minute": 43}
